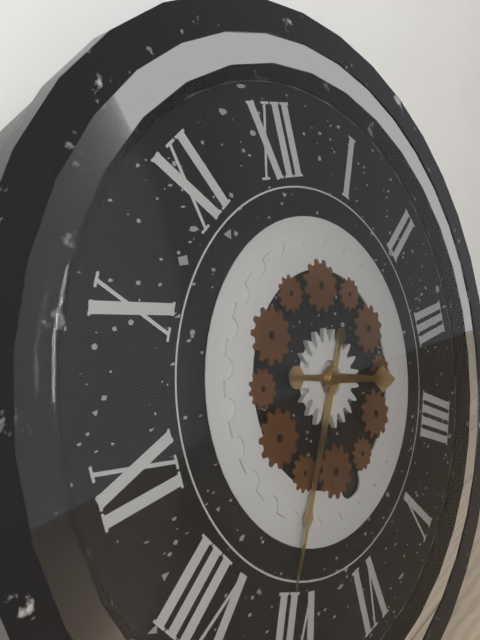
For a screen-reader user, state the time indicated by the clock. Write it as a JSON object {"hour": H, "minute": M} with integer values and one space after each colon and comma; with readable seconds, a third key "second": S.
{"hour": 3, "minute": 36}
